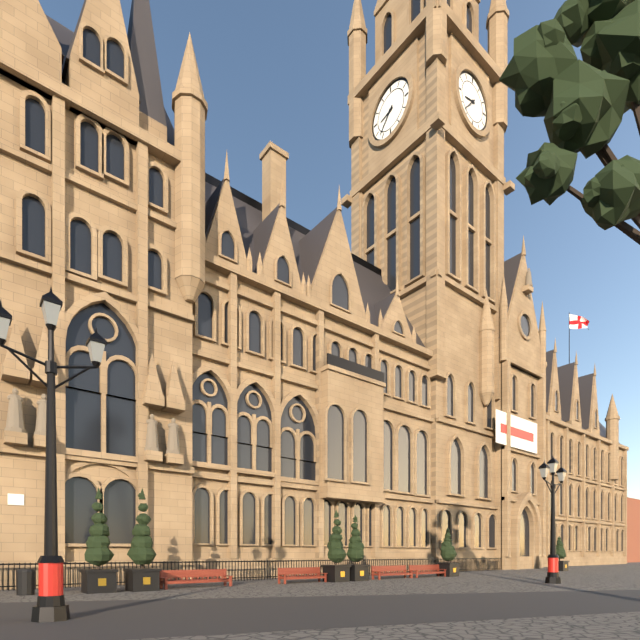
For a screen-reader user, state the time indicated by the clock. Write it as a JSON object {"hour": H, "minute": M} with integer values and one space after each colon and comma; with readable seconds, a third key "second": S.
{"hour": 8, "minute": 37}
